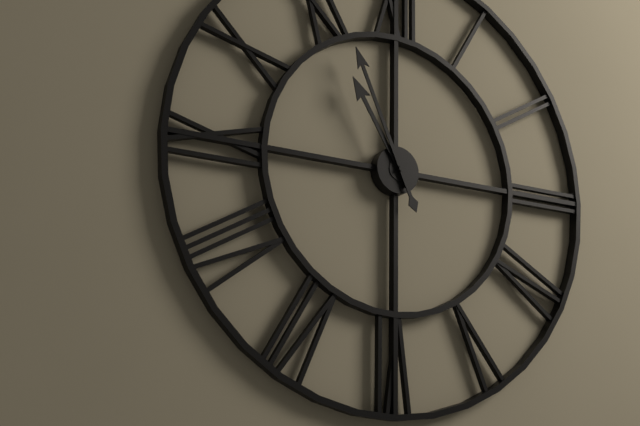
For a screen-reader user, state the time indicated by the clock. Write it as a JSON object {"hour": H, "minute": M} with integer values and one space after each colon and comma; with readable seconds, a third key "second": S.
{"hour": 10, "minute": 56}
